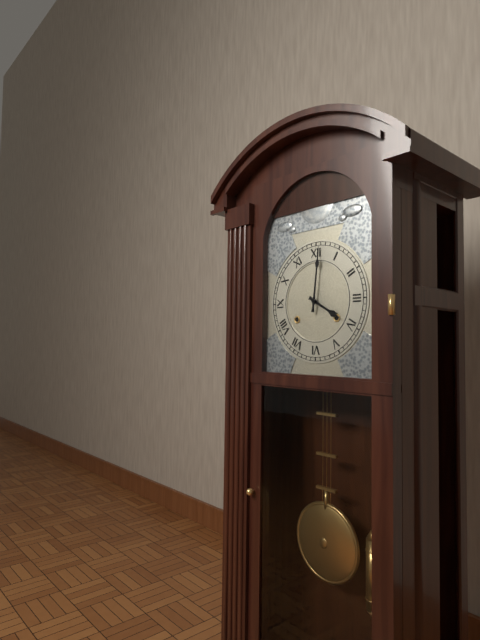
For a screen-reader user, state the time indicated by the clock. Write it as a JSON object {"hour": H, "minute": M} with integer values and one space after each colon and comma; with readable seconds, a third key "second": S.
{"hour": 4, "minute": 1}
